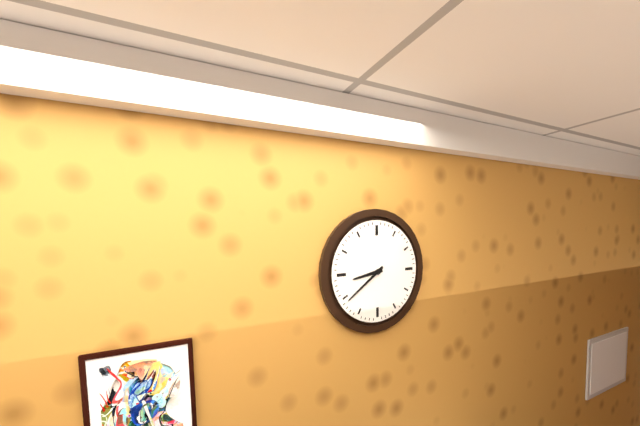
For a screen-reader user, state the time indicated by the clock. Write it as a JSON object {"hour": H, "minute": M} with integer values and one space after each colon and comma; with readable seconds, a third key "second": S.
{"hour": 8, "minute": 39}
